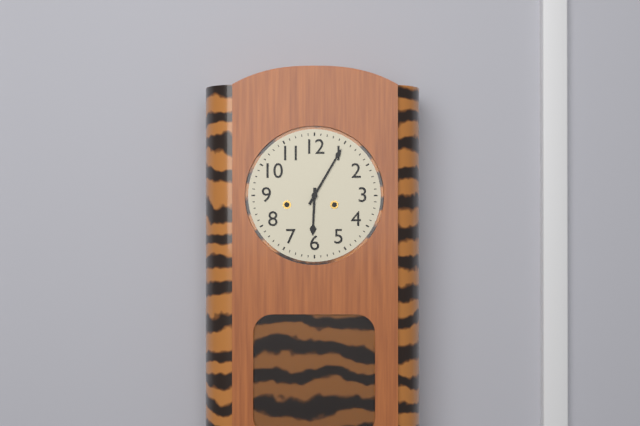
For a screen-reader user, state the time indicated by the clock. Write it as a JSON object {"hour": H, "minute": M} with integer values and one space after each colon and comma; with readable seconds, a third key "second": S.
{"hour": 6, "minute": 5}
